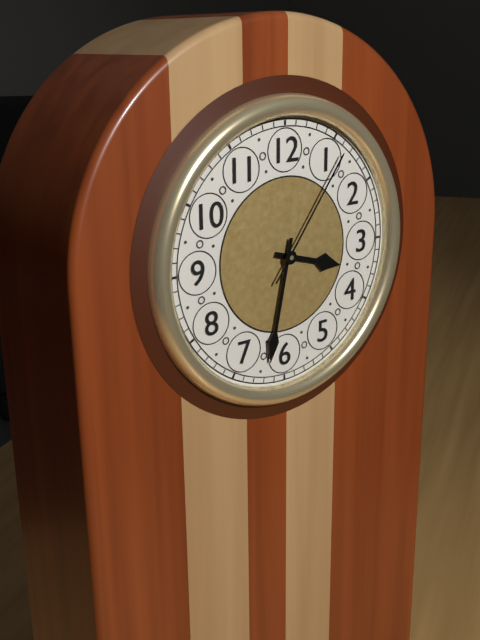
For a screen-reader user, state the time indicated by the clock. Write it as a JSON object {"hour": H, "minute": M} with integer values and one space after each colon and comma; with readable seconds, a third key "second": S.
{"hour": 3, "minute": 32, "second": 6}
